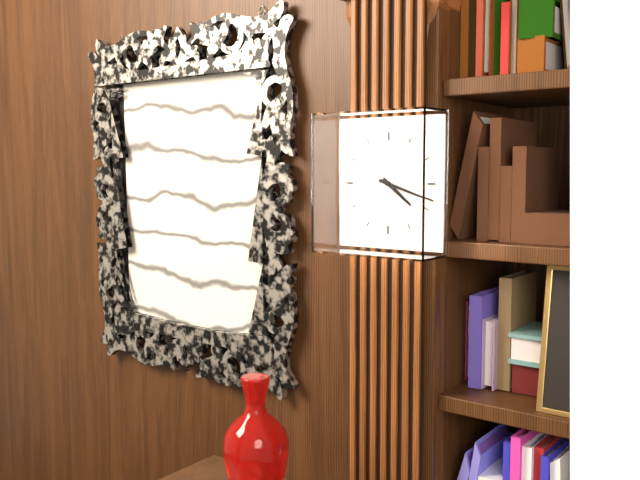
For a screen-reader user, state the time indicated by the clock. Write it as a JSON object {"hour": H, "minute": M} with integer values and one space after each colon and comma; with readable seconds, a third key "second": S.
{"hour": 4, "minute": 18}
